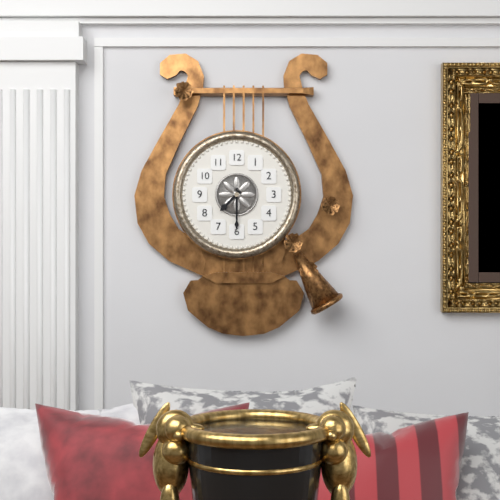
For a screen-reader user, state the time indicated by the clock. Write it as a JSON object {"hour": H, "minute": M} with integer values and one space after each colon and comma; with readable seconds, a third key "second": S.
{"hour": 7, "minute": 30}
